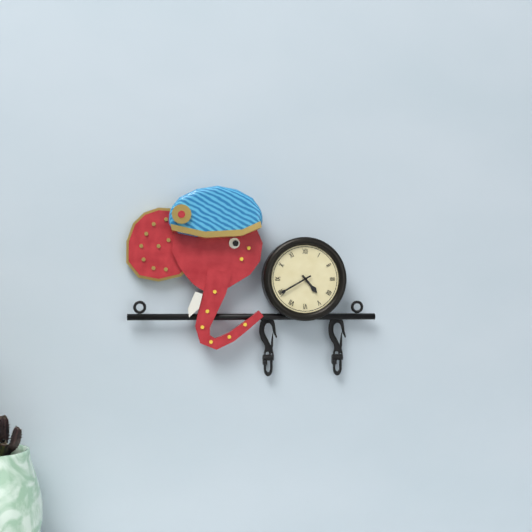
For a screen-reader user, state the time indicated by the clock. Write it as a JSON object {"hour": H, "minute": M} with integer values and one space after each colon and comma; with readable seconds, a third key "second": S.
{"hour": 4, "minute": 40}
